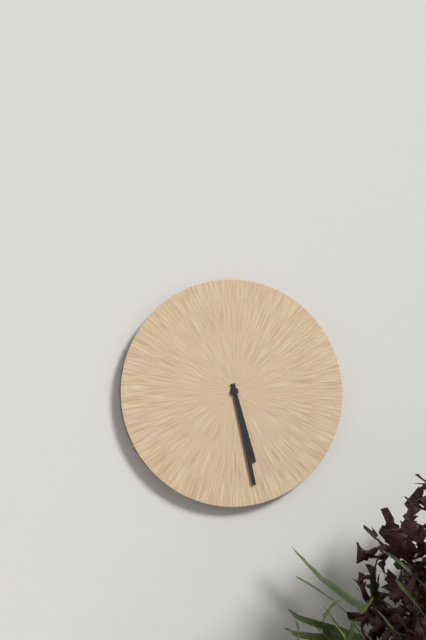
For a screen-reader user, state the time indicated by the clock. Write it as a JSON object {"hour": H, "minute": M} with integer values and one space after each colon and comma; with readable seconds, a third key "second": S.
{"hour": 5, "minute": 28}
